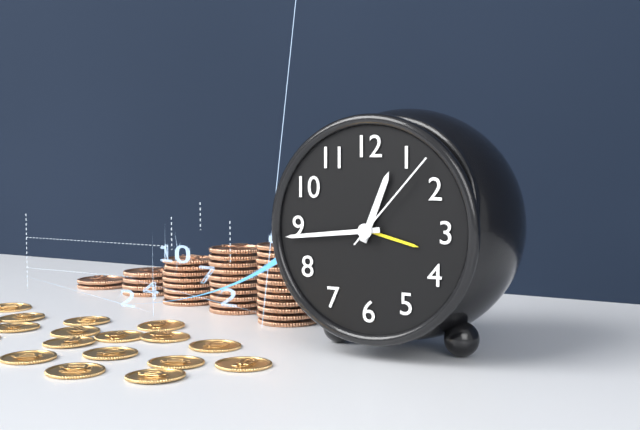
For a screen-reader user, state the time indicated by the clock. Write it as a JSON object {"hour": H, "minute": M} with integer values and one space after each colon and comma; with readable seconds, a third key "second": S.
{"hour": 12, "minute": 44, "second": 7}
